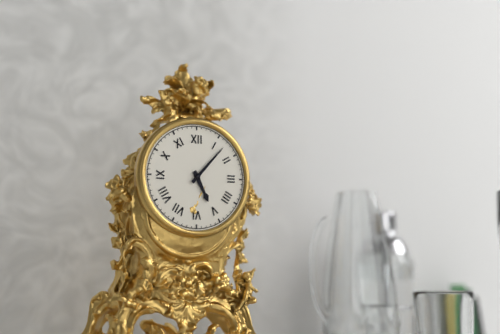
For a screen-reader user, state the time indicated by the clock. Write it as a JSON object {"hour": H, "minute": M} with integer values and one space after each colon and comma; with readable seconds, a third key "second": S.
{"hour": 5, "minute": 7}
